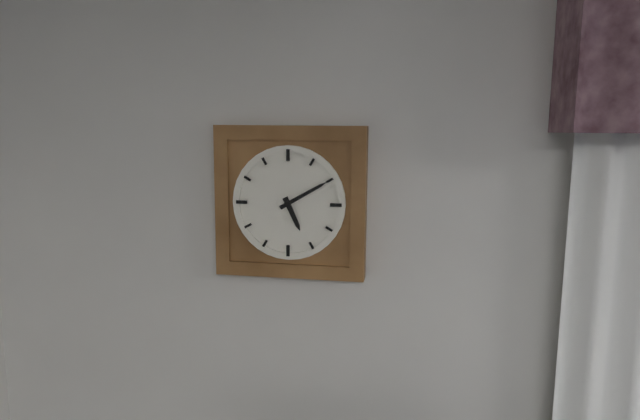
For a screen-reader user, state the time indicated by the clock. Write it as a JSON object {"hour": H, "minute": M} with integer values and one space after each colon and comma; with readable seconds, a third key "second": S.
{"hour": 5, "minute": 10}
